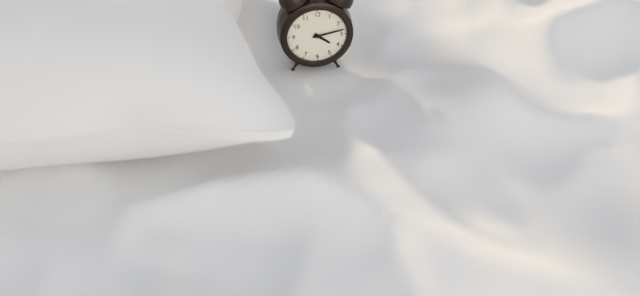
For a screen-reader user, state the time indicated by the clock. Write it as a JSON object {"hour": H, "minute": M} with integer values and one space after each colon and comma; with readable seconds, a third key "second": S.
{"hour": 4, "minute": 13}
